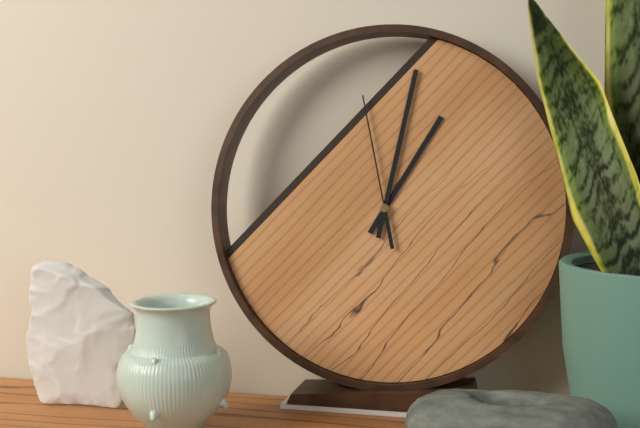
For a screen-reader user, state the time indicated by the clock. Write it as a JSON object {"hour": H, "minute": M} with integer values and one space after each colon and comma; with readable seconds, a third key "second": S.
{"hour": 1, "minute": 2, "second": 58}
